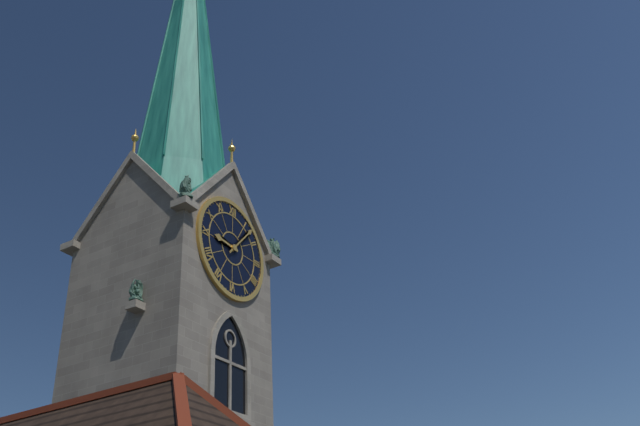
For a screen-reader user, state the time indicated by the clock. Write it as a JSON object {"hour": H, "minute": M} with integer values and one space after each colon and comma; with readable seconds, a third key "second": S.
{"hour": 9, "minute": 7}
